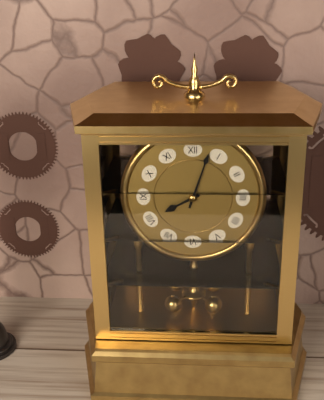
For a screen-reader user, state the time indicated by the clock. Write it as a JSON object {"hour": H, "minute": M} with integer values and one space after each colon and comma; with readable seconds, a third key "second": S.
{"hour": 8, "minute": 3}
